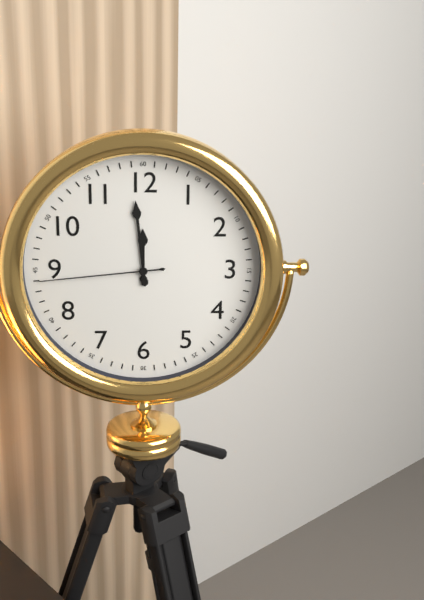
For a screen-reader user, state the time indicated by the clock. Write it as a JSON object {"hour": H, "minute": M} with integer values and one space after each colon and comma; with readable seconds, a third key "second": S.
{"hour": 11, "minute": 59, "second": 44}
